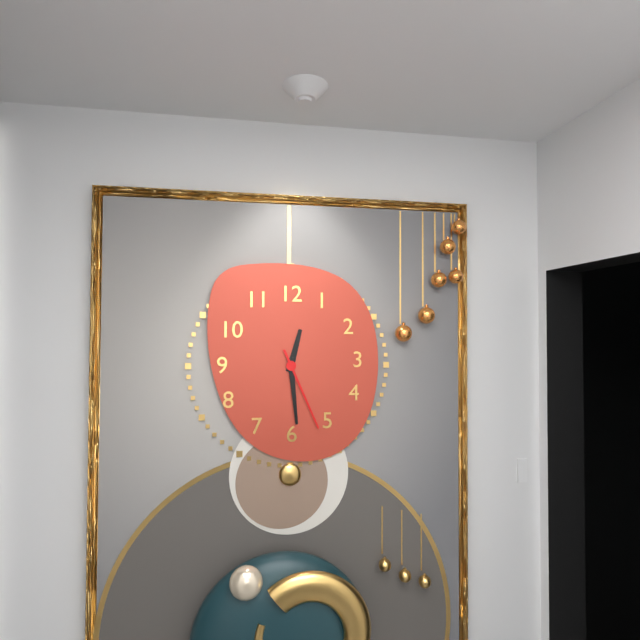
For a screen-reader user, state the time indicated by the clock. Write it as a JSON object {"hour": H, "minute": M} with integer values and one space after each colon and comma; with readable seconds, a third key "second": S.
{"hour": 12, "minute": 29, "second": 26}
